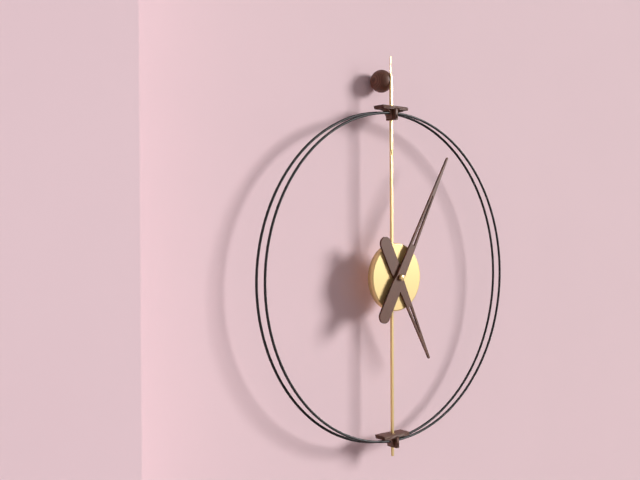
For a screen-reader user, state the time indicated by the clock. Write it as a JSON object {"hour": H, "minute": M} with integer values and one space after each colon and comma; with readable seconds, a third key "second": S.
{"hour": 5, "minute": 5}
